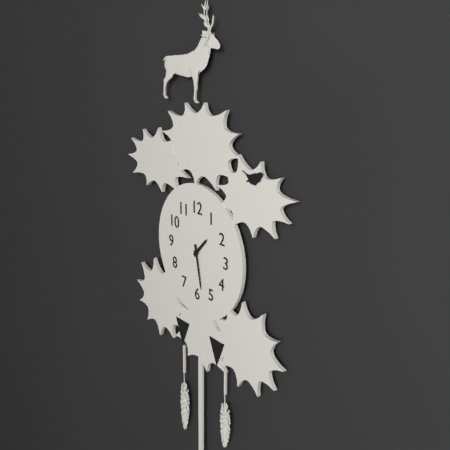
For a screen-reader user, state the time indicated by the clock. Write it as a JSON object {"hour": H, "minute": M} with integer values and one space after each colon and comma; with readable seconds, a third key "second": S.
{"hour": 1, "minute": 28}
